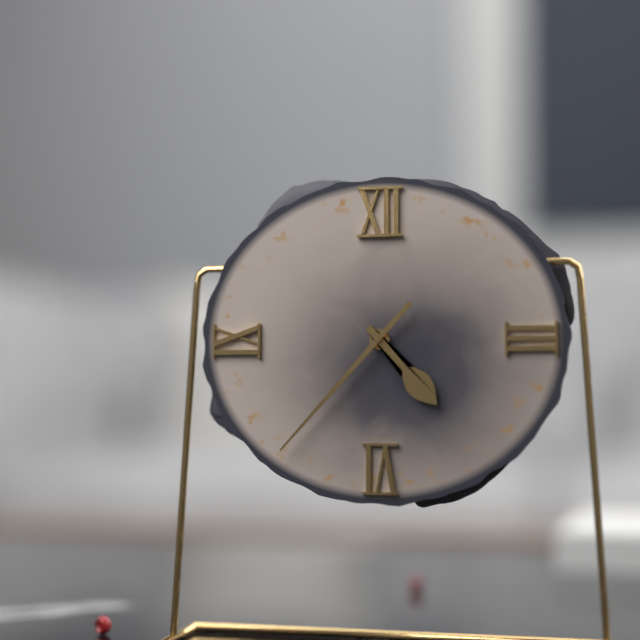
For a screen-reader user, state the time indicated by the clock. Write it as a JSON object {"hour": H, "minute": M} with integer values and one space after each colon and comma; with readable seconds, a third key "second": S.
{"hour": 4, "minute": 37}
